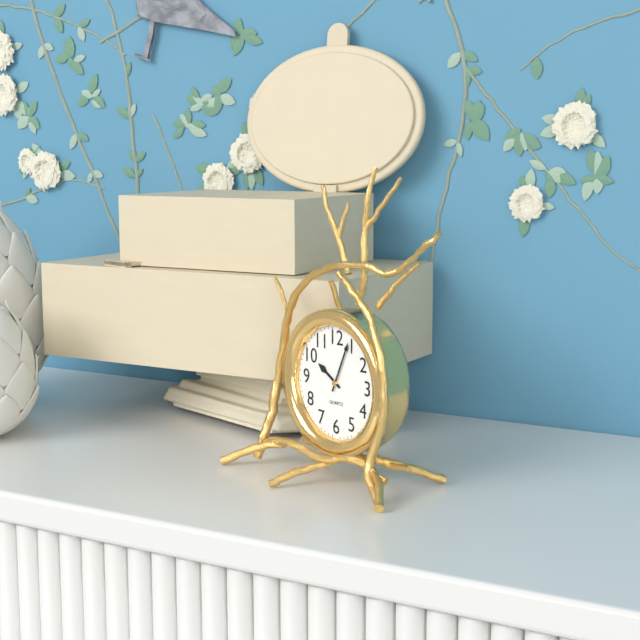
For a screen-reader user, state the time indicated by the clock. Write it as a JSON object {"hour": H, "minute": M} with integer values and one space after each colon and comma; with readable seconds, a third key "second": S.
{"hour": 10, "minute": 4}
